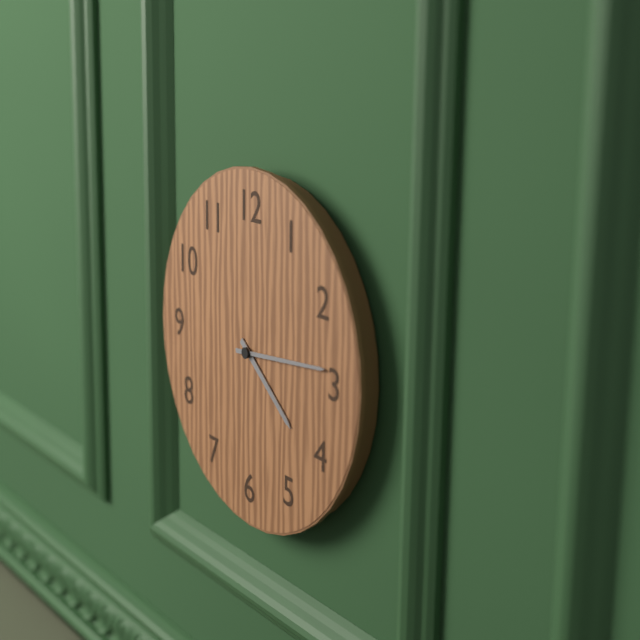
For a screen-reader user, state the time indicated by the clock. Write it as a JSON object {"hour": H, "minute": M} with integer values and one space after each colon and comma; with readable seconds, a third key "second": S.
{"hour": 4, "minute": 14}
